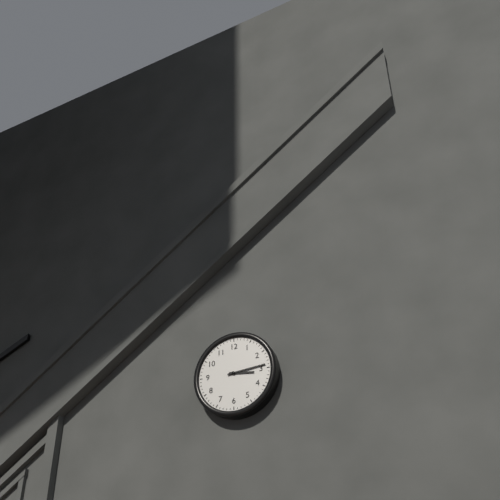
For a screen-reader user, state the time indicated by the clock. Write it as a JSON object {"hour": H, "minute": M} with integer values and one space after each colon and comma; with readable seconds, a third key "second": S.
{"hour": 3, "minute": 14}
